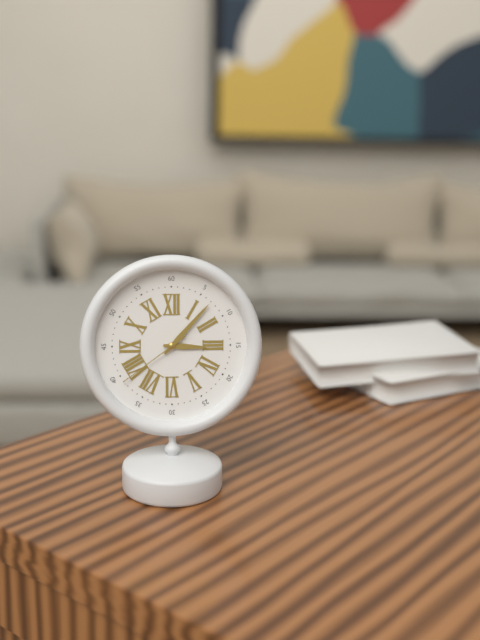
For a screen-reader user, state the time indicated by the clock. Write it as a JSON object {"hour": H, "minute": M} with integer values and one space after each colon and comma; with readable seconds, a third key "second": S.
{"hour": 3, "minute": 7, "second": 39}
